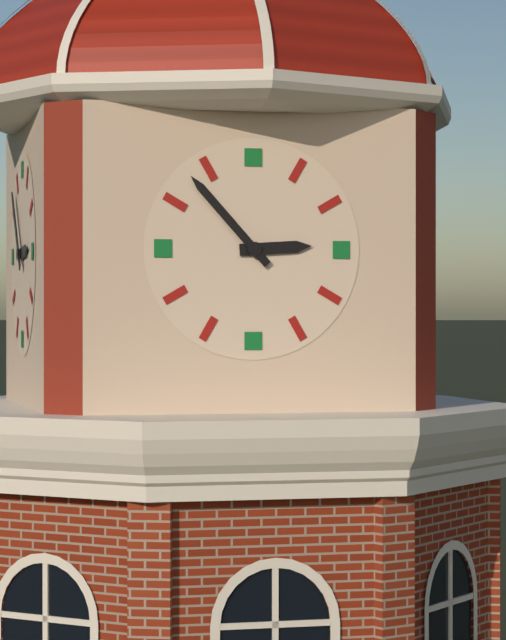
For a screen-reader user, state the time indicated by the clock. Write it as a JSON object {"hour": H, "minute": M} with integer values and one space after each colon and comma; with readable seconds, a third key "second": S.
{"hour": 2, "minute": 53}
